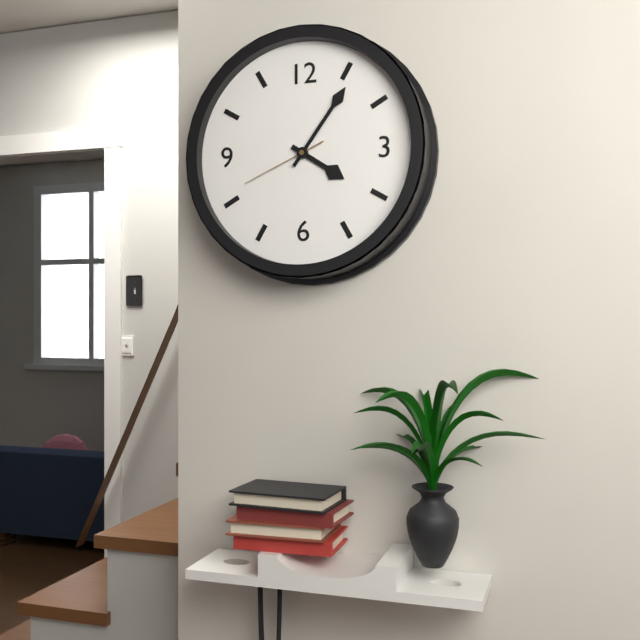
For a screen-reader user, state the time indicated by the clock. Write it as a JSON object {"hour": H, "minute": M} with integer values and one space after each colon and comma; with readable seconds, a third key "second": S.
{"hour": 4, "minute": 6, "second": 41}
